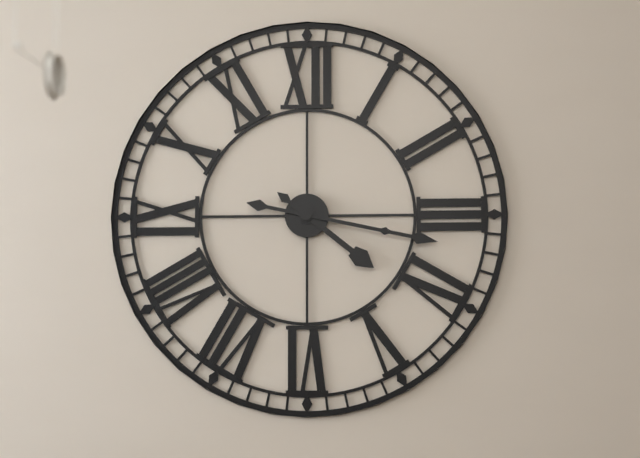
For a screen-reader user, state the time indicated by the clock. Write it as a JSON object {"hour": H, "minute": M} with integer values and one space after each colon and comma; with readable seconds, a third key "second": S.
{"hour": 4, "minute": 17}
